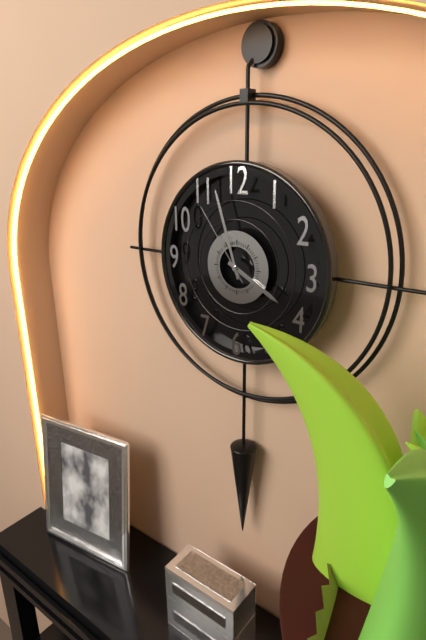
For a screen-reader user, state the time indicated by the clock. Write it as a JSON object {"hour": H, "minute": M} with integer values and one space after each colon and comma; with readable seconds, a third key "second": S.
{"hour": 3, "minute": 57, "second": 54}
